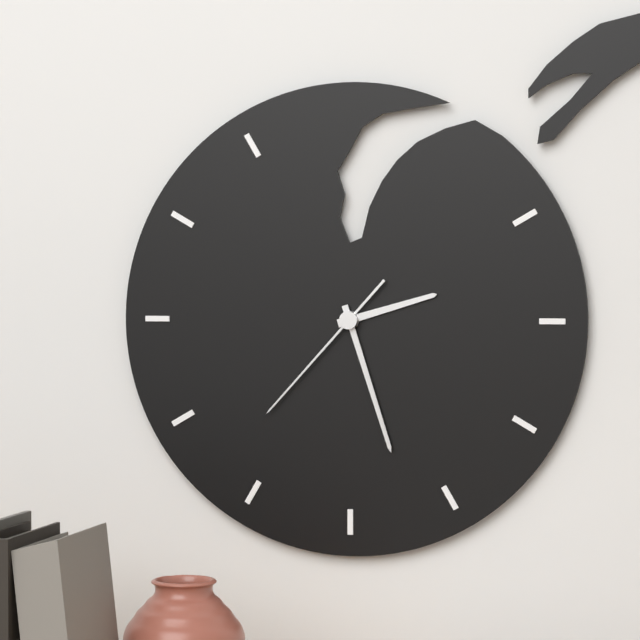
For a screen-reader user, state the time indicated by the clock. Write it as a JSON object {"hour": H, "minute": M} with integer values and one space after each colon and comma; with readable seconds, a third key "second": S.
{"hour": 2, "minute": 27, "second": 37}
